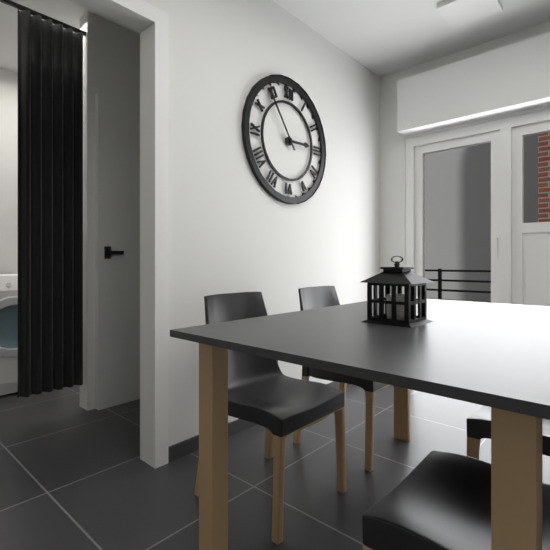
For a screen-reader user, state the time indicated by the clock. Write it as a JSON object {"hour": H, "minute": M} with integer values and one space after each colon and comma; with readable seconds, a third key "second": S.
{"hour": 2, "minute": 54}
